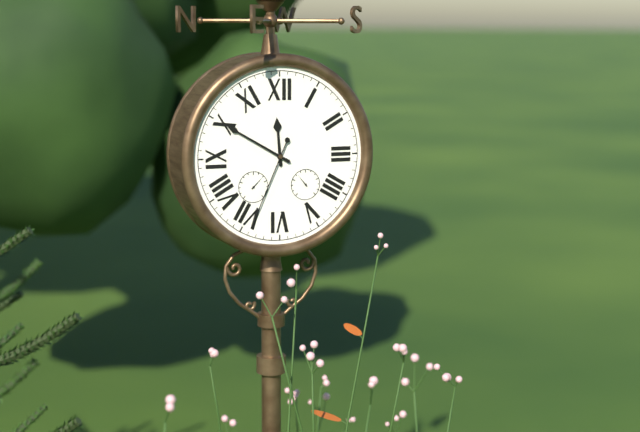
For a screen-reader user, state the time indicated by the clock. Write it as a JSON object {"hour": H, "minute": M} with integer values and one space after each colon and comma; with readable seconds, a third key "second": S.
{"hour": 11, "minute": 50, "second": 34}
